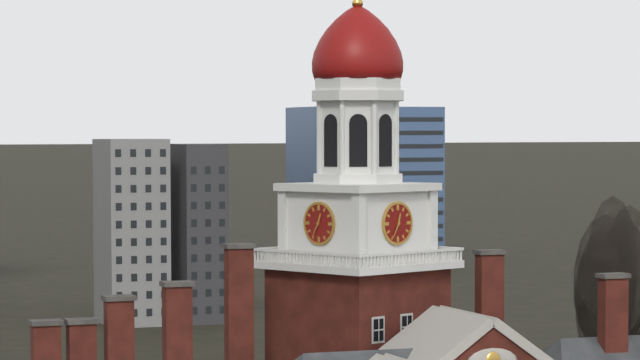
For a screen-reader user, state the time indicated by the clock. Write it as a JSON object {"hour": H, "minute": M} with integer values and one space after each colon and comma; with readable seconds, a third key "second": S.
{"hour": 12, "minute": 35}
